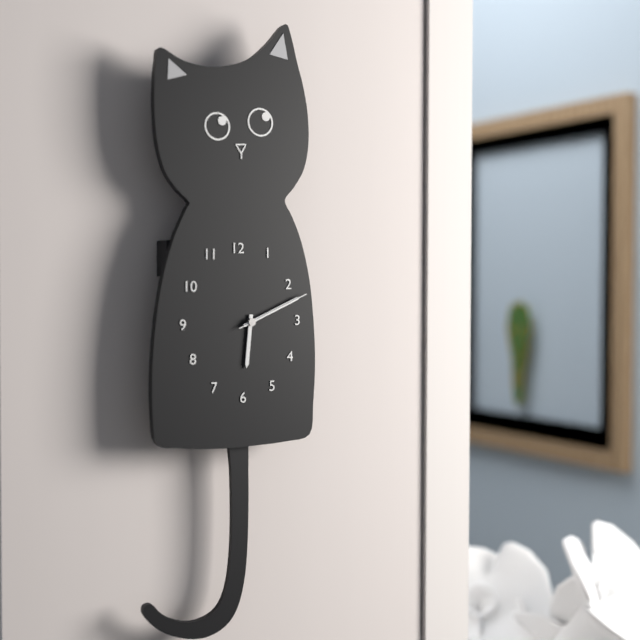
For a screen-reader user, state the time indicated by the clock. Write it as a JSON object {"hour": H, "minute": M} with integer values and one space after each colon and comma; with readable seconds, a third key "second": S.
{"hour": 6, "minute": 11, "second": 11}
